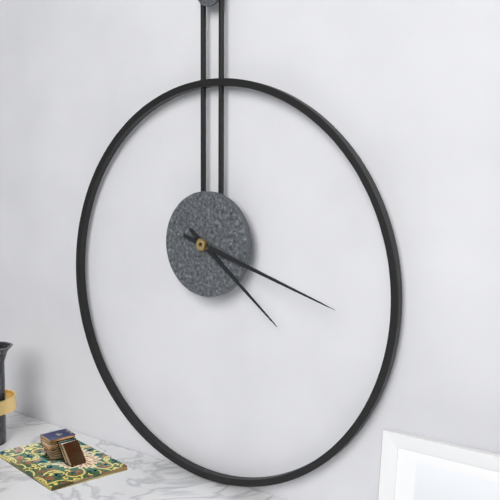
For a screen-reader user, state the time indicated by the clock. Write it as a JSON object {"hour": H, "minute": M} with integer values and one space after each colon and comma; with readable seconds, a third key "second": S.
{"hour": 4, "minute": 18}
